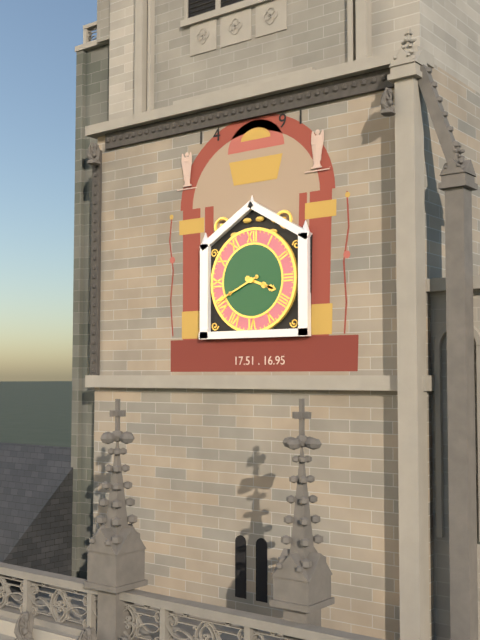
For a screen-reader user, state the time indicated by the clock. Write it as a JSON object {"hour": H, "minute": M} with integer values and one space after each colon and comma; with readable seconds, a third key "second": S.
{"hour": 3, "minute": 41}
